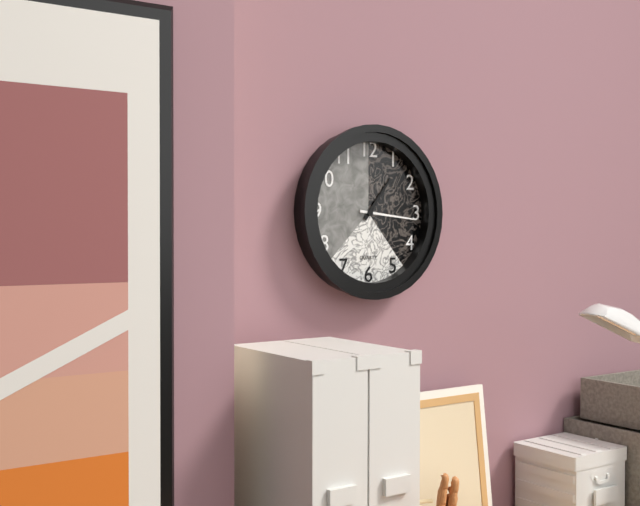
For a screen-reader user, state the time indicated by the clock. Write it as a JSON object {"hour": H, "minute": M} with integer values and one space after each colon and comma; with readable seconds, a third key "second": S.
{"hour": 1, "minute": 16}
